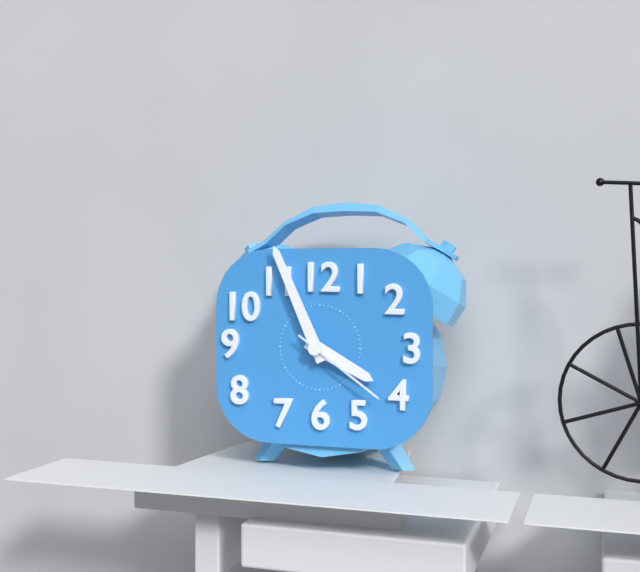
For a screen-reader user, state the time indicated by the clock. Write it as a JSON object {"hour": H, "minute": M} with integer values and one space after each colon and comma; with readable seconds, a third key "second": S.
{"hour": 3, "minute": 56, "second": 21}
